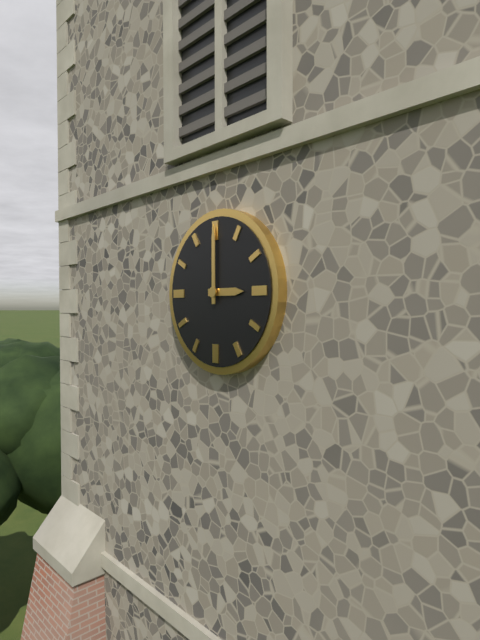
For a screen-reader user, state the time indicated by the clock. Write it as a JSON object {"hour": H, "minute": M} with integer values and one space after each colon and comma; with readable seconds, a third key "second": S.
{"hour": 3, "minute": 0}
